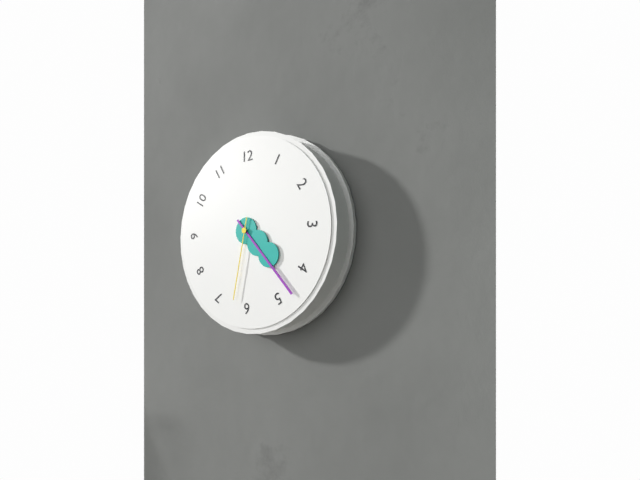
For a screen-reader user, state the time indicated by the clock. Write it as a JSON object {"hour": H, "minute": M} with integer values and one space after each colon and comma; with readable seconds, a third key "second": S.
{"hour": 4, "minute": 23, "second": 32}
